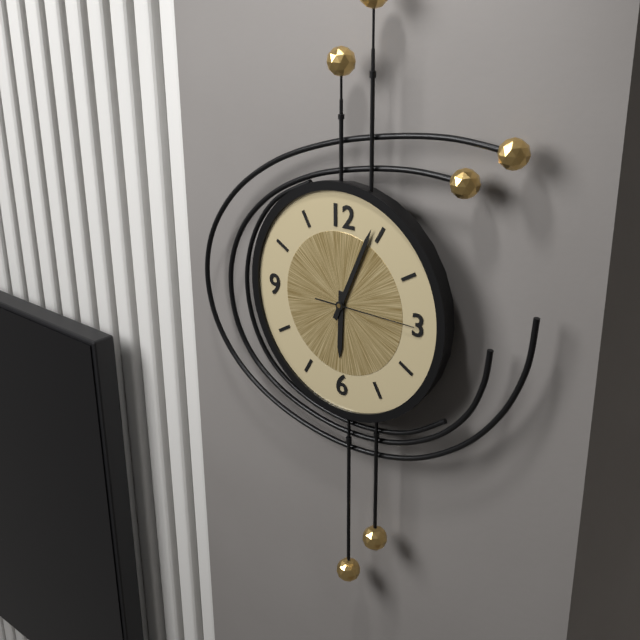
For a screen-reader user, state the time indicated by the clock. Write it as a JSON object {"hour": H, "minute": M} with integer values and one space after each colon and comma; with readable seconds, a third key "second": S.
{"hour": 6, "minute": 4, "second": 15}
